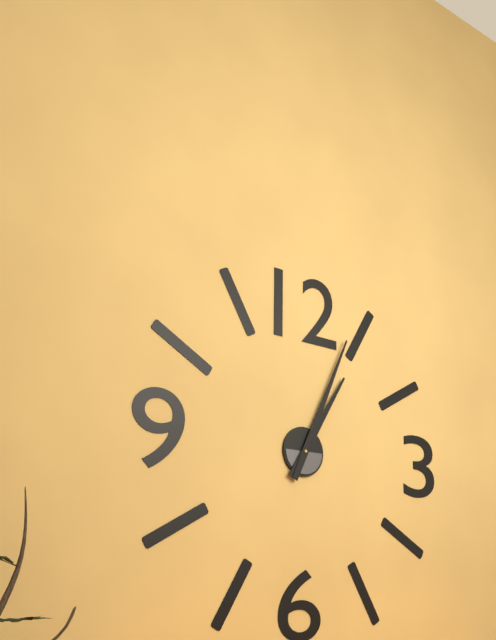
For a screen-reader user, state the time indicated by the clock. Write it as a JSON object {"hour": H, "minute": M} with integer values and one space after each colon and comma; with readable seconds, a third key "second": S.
{"hour": 1, "minute": 4}
